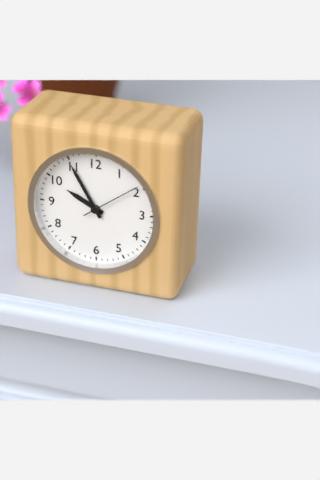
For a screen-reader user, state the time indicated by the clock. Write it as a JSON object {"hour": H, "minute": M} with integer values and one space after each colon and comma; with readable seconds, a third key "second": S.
{"hour": 9, "minute": 55, "second": 9}
